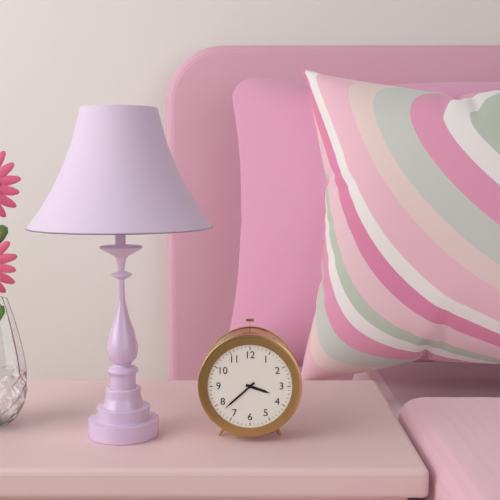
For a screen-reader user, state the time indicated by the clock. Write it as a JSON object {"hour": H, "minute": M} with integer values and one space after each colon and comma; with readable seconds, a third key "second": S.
{"hour": 3, "minute": 38}
